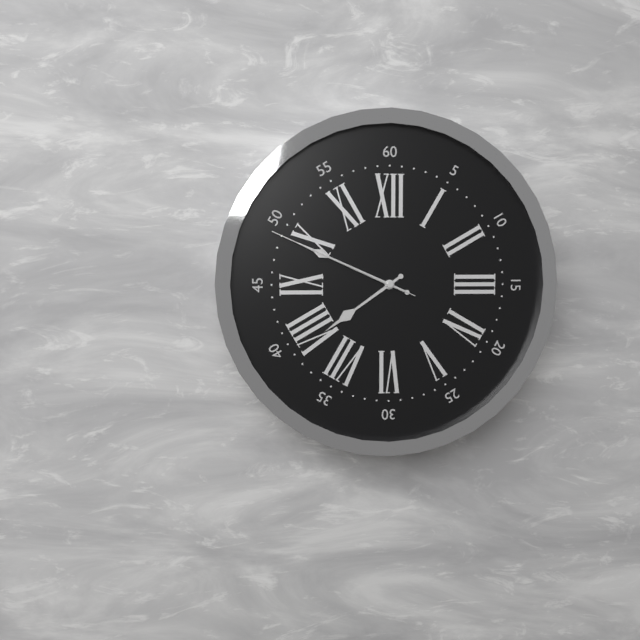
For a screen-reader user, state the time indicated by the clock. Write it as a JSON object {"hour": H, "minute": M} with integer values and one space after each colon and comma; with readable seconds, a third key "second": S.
{"hour": 7, "minute": 49, "second": 49}
